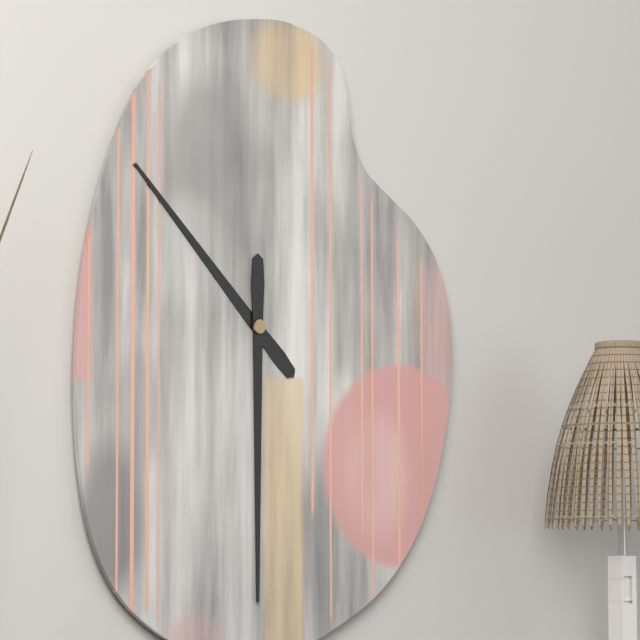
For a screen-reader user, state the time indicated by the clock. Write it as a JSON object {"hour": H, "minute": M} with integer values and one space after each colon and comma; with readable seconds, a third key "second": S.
{"hour": 10, "minute": 30}
